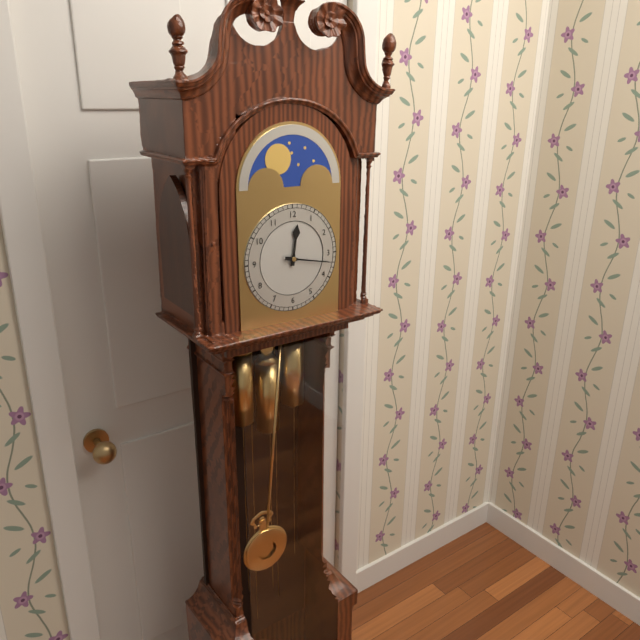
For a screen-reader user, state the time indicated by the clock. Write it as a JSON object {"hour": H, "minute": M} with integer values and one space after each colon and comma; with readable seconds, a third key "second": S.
{"hour": 12, "minute": 17}
